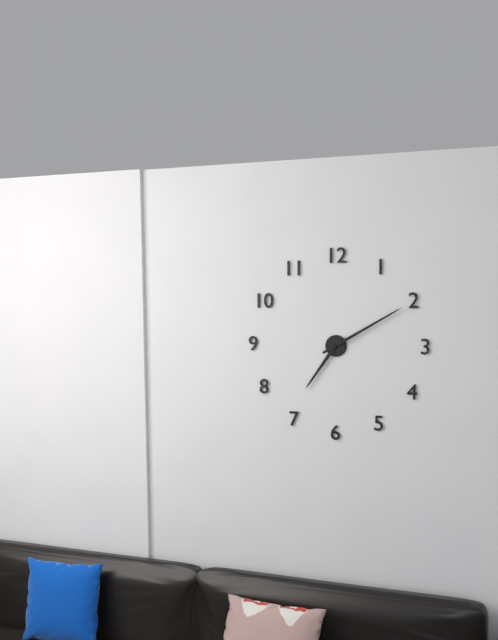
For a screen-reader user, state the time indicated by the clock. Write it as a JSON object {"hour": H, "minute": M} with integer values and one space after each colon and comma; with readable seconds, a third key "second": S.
{"hour": 7, "minute": 10}
